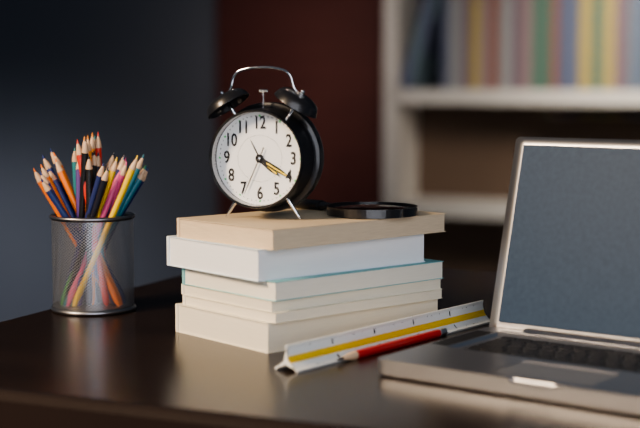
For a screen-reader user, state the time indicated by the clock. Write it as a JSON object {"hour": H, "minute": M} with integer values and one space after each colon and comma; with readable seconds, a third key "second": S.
{"hour": 4, "minute": 20}
